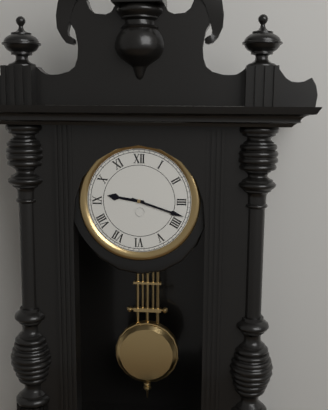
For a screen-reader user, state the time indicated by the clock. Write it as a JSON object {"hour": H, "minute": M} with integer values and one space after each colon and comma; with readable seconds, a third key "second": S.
{"hour": 9, "minute": 18}
